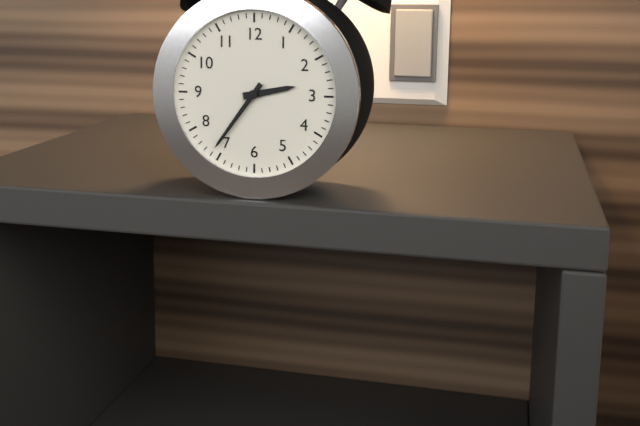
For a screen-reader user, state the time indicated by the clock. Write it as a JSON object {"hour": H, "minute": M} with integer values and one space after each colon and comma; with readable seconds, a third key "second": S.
{"hour": 2, "minute": 36}
